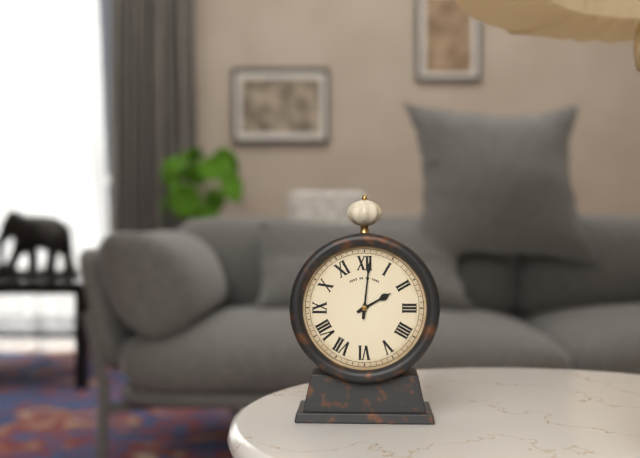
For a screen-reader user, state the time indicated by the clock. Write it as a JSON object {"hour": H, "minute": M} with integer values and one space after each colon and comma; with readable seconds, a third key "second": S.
{"hour": 2, "minute": 1}
